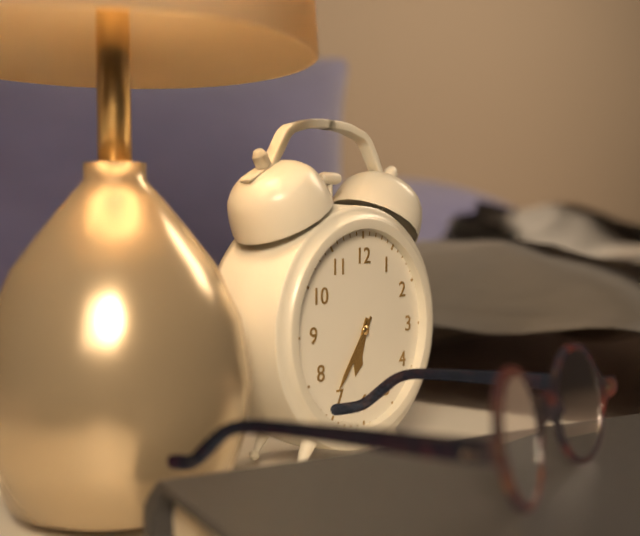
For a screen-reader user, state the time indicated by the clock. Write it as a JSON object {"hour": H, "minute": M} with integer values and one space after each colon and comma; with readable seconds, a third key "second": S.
{"hour": 6, "minute": 36}
